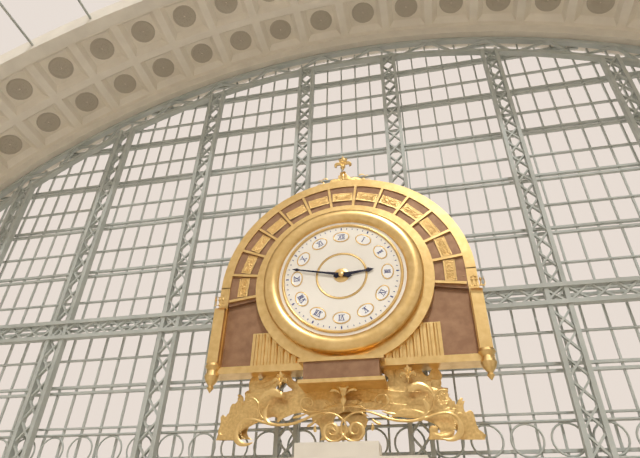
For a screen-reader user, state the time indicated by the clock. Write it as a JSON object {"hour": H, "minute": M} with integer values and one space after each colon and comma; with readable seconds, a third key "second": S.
{"hour": 2, "minute": 47}
